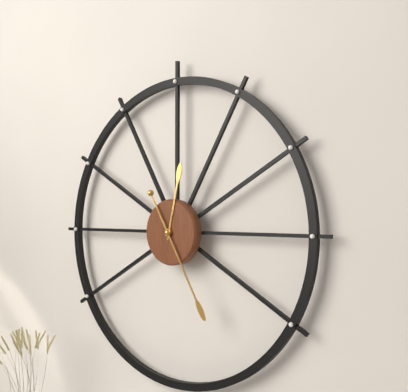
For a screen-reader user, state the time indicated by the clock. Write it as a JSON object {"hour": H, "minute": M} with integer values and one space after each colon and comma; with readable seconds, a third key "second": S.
{"hour": 12, "minute": 25}
